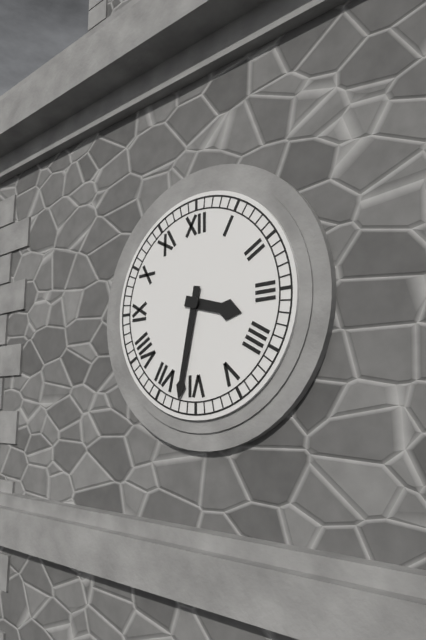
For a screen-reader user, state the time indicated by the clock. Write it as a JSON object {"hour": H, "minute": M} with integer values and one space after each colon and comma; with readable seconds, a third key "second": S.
{"hour": 3, "minute": 32}
